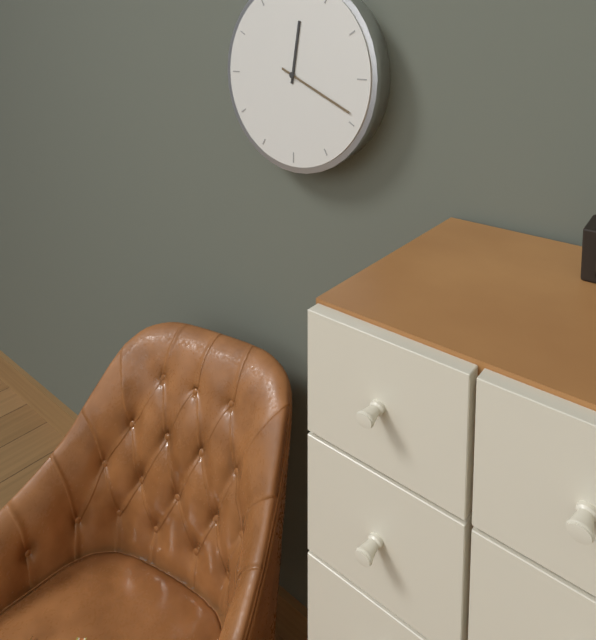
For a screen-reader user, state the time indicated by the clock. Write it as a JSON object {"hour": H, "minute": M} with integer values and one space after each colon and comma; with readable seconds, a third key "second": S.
{"hour": 12, "minute": 19}
